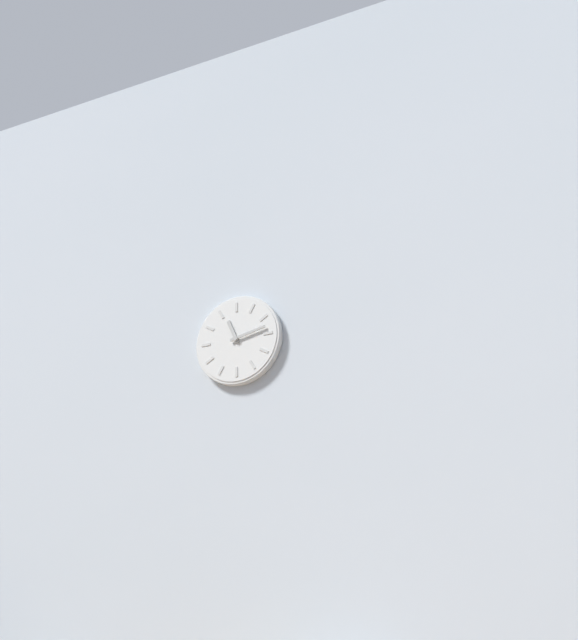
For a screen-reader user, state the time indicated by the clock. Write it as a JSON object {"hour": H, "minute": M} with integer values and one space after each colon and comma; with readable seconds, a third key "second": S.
{"hour": 11, "minute": 13}
